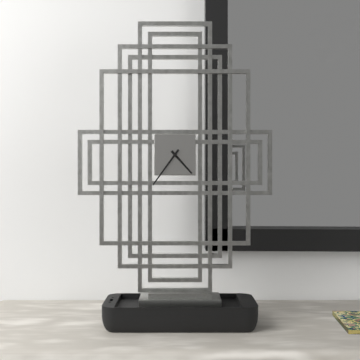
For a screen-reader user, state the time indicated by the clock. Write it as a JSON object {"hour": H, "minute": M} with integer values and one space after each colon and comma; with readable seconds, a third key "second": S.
{"hour": 4, "minute": 36}
